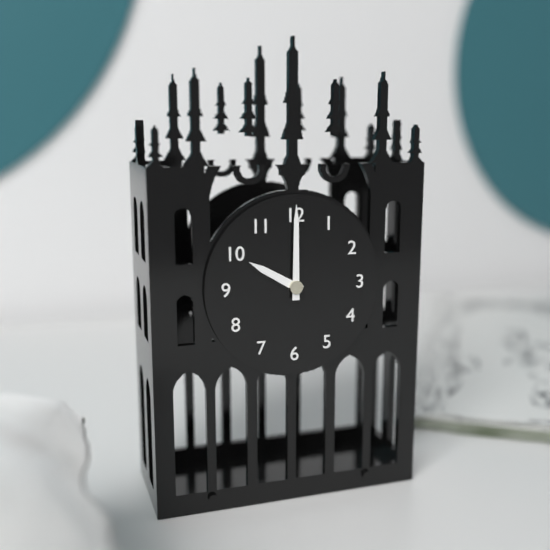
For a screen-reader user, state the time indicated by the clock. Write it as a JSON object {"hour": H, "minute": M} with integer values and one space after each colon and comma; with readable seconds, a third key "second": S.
{"hour": 10, "minute": 0}
